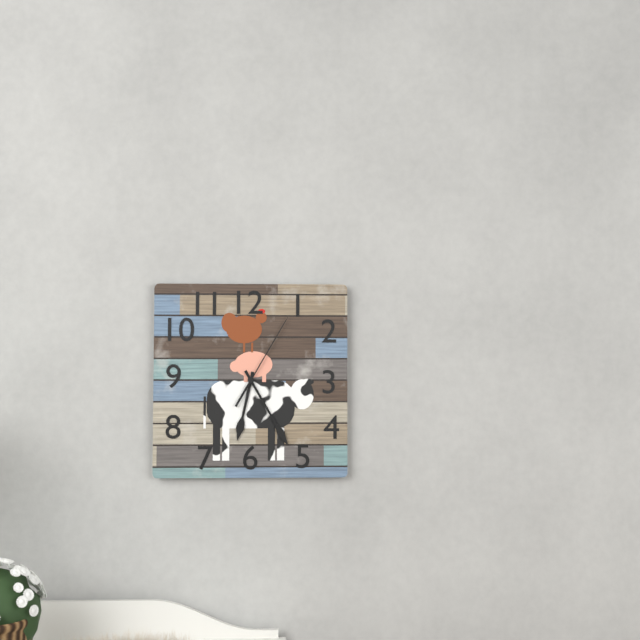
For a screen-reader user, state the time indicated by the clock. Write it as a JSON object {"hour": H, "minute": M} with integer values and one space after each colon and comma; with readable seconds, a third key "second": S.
{"hour": 6, "minute": 25, "second": 5}
